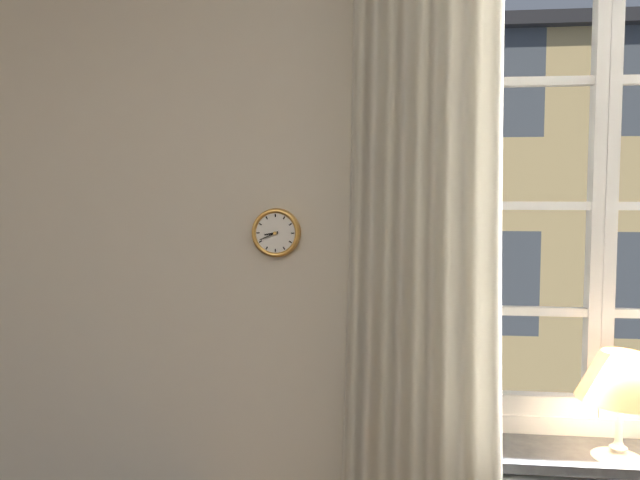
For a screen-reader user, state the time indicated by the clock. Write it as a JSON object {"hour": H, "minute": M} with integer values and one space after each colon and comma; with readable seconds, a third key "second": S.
{"hour": 8, "minute": 41}
